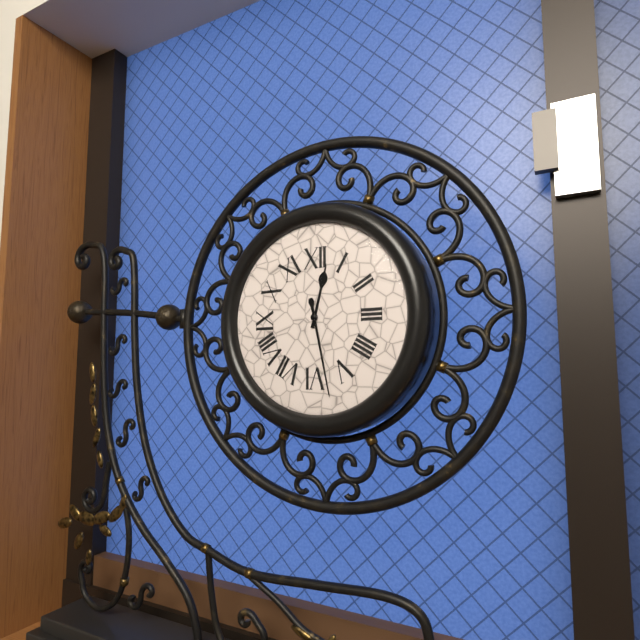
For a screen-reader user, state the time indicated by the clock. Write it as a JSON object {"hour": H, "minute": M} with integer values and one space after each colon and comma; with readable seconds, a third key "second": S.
{"hour": 12, "minute": 28}
